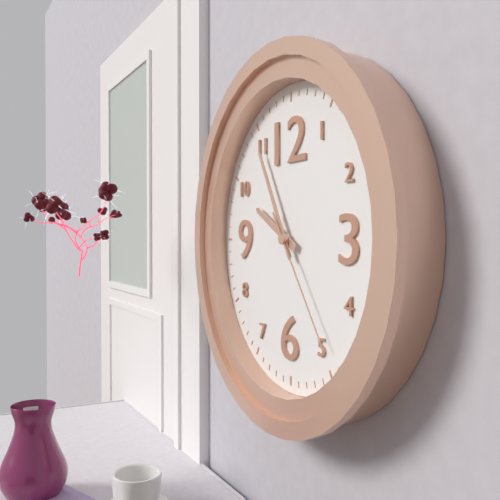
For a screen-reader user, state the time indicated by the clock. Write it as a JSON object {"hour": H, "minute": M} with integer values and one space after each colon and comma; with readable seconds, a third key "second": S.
{"hour": 9, "minute": 55, "second": 24}
